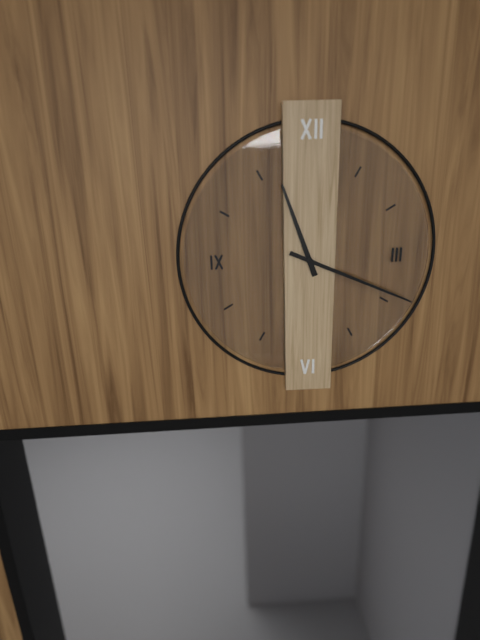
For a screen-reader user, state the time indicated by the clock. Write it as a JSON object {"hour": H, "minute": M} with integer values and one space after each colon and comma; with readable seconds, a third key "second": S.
{"hour": 11, "minute": 19}
